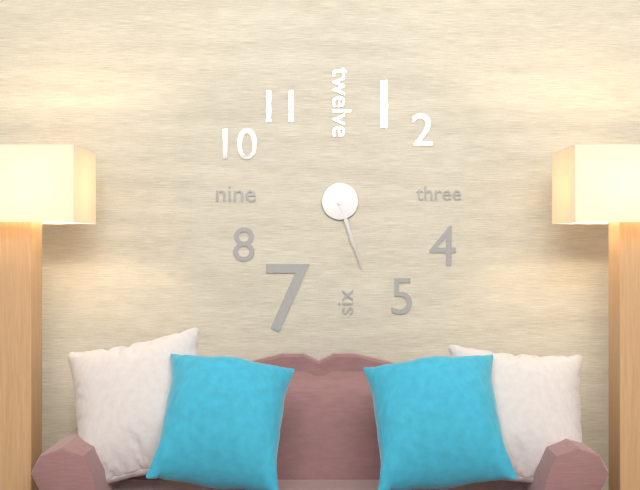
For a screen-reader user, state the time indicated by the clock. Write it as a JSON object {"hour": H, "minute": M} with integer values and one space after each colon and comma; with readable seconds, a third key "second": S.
{"hour": 5, "minute": 27}
